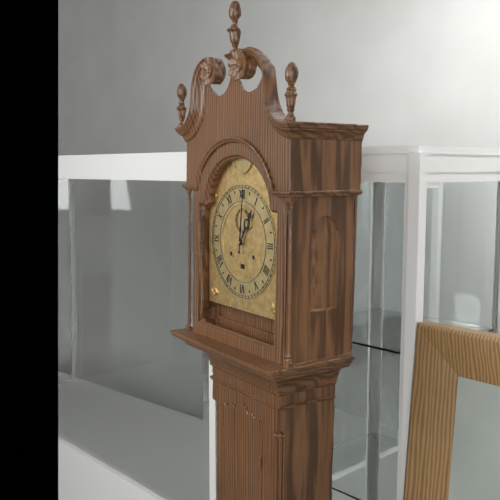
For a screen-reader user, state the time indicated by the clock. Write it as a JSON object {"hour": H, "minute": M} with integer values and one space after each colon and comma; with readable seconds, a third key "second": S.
{"hour": 1, "minute": 1}
